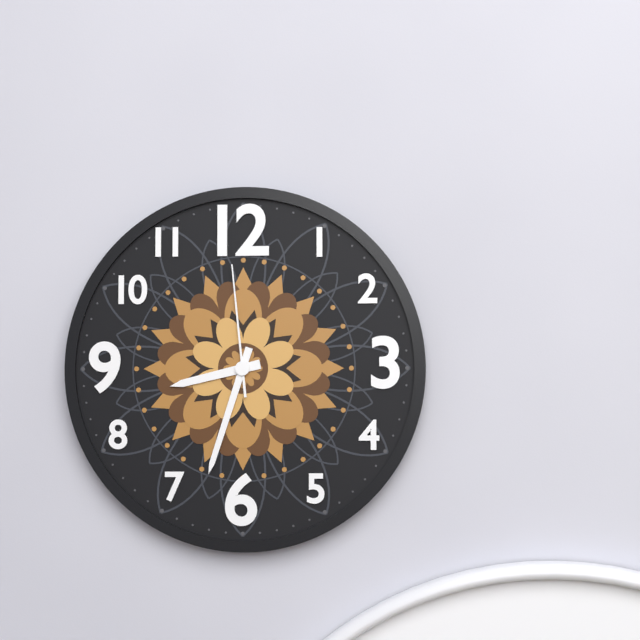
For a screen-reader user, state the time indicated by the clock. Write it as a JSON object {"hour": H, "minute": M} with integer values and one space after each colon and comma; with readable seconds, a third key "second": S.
{"hour": 8, "minute": 33, "second": 59}
